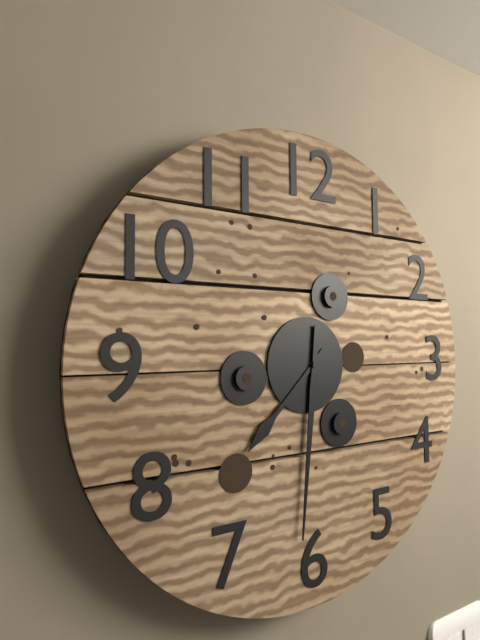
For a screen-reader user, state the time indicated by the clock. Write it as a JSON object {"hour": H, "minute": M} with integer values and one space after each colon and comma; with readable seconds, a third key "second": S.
{"hour": 7, "minute": 31}
